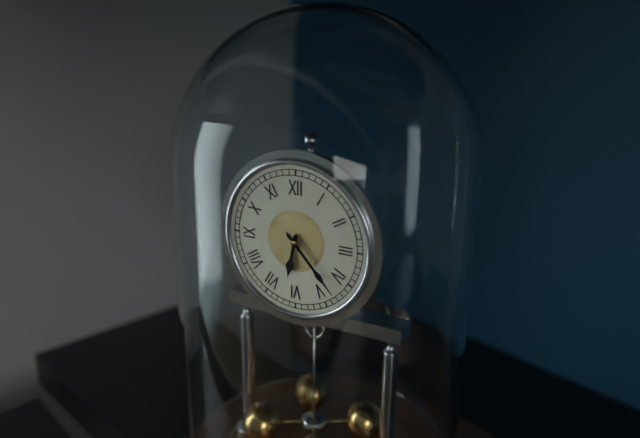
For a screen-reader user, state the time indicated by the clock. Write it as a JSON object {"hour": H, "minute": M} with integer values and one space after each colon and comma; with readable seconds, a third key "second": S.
{"hour": 6, "minute": 23}
